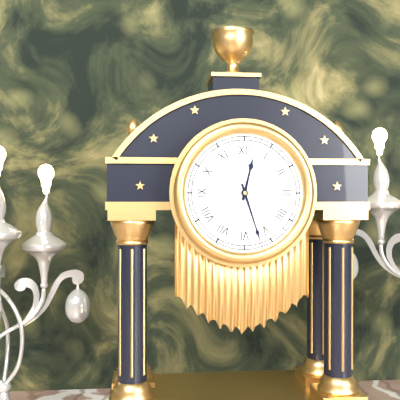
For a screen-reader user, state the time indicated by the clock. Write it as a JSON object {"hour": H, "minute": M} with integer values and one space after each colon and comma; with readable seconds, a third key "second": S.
{"hour": 12, "minute": 27}
